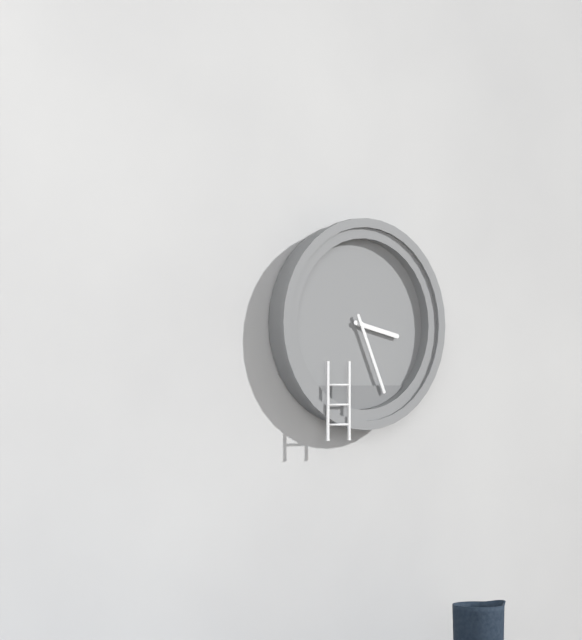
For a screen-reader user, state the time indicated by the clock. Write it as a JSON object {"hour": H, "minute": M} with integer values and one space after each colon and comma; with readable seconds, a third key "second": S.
{"hour": 3, "minute": 26}
